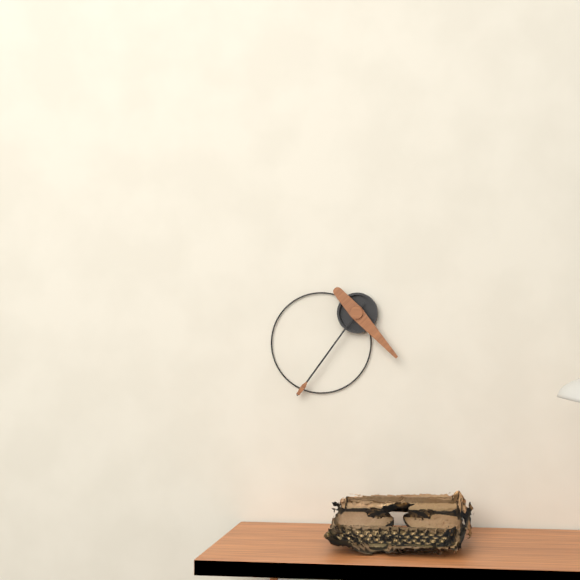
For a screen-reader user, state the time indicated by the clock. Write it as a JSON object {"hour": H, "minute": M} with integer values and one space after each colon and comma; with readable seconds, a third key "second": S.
{"hour": 4, "minute": 36}
